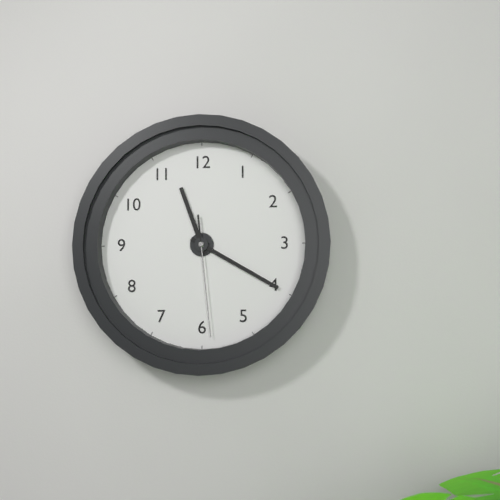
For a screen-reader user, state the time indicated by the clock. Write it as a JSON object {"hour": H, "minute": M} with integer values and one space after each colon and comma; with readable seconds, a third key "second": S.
{"hour": 11, "minute": 20, "second": 29}
